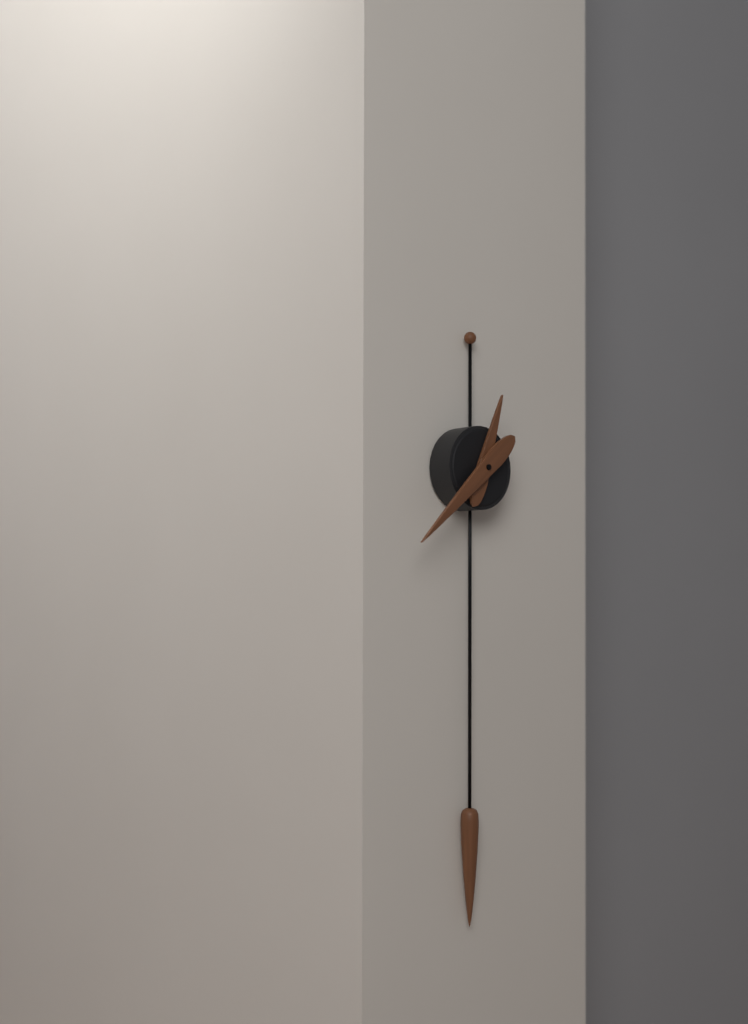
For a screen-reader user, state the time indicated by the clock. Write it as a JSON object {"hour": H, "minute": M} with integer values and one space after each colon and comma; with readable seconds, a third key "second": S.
{"hour": 12, "minute": 38}
